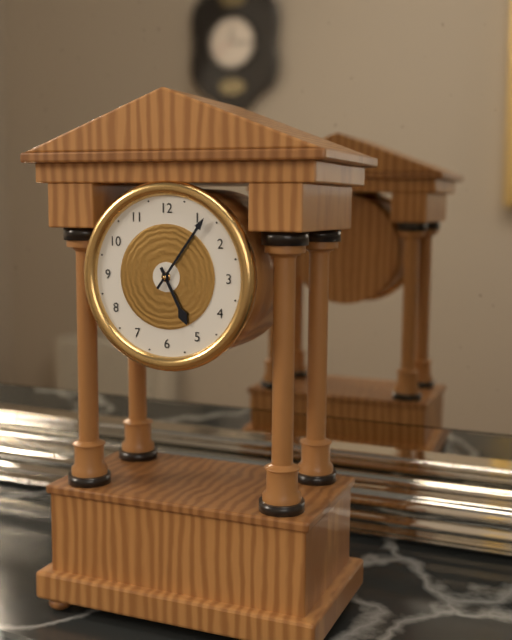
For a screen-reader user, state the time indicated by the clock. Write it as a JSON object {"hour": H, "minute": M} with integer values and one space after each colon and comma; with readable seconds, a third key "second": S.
{"hour": 5, "minute": 6}
